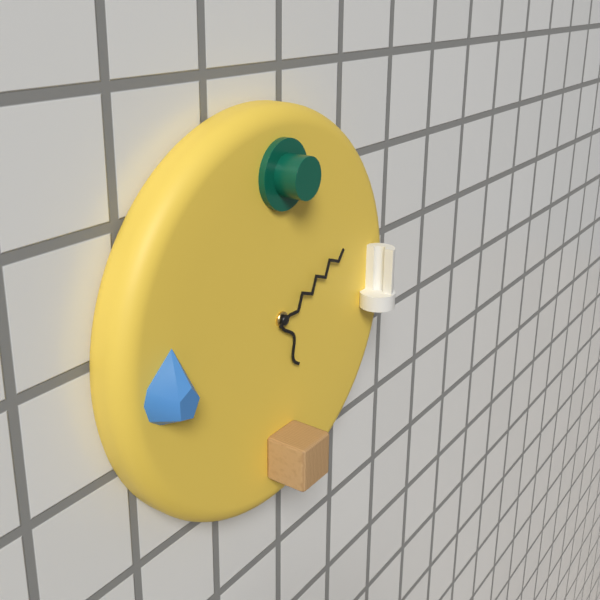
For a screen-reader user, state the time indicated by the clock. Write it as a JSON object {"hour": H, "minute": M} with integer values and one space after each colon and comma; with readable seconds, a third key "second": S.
{"hour": 5, "minute": 11}
